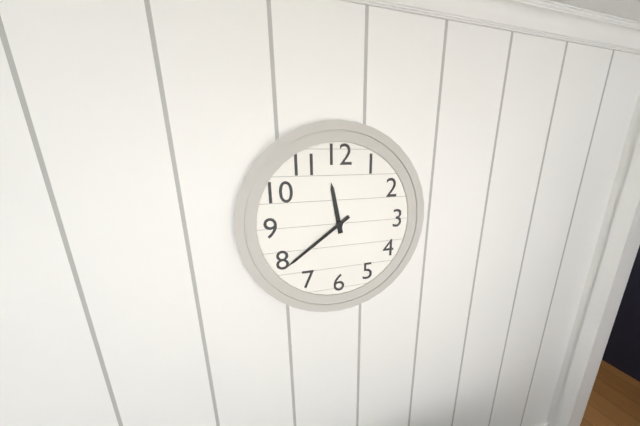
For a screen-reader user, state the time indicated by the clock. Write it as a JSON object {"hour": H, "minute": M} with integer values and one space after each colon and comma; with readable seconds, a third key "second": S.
{"hour": 11, "minute": 39}
